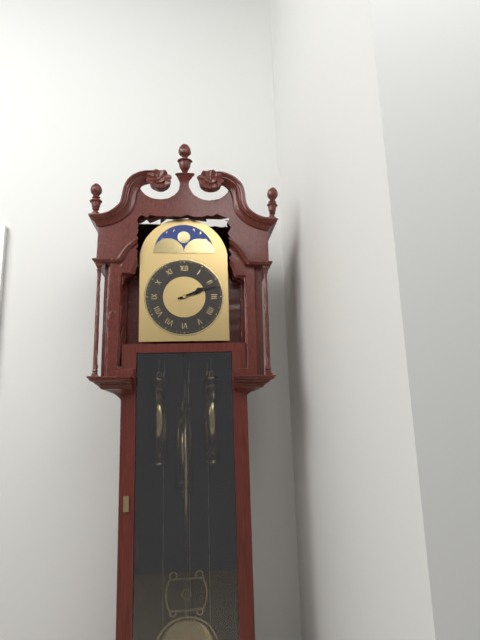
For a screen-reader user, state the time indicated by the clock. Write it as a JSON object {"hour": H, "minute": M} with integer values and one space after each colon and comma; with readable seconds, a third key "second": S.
{"hour": 2, "minute": 12}
